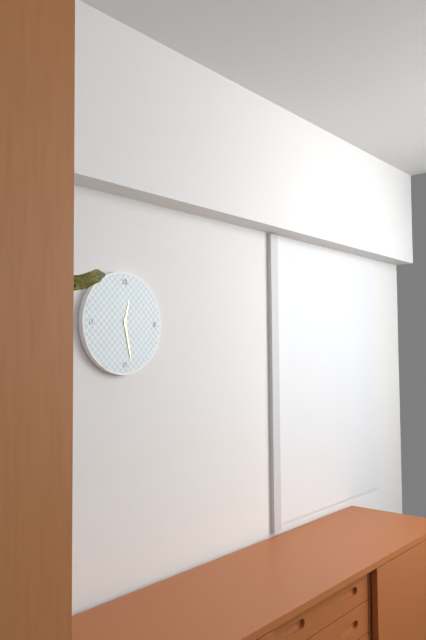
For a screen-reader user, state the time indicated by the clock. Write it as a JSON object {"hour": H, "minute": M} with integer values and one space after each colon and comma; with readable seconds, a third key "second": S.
{"hour": 12, "minute": 28}
